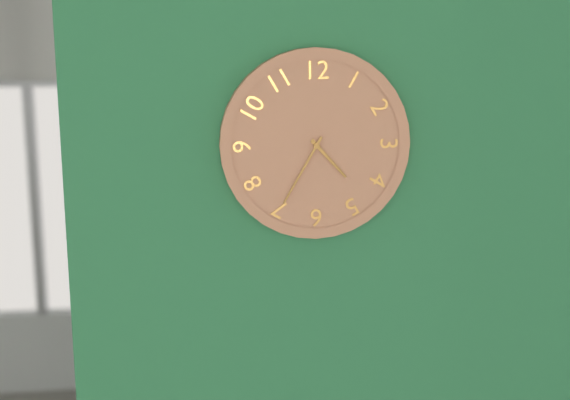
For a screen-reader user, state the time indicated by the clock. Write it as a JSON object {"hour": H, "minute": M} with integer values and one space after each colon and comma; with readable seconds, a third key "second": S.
{"hour": 4, "minute": 35}
